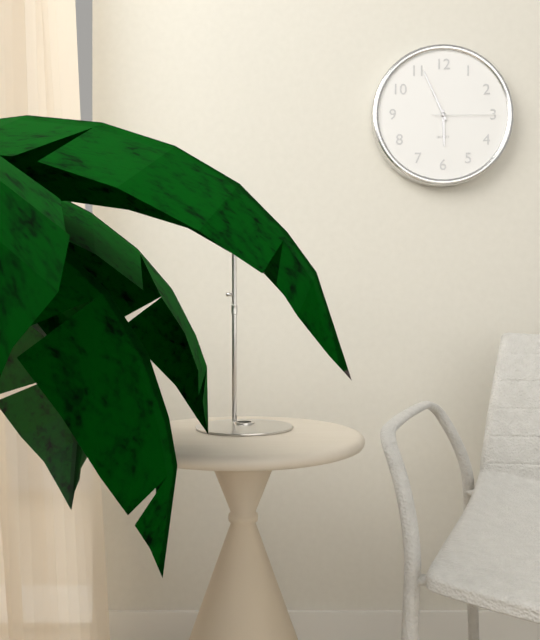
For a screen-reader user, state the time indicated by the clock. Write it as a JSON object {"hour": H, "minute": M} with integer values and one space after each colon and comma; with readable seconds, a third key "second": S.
{"hour": 5, "minute": 56, "second": 15}
